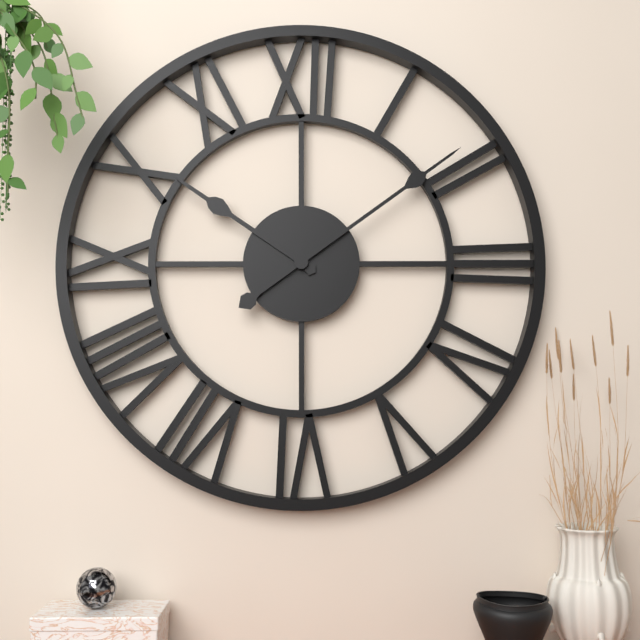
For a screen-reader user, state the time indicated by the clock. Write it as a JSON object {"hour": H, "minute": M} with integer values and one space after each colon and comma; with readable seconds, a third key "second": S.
{"hour": 10, "minute": 9}
